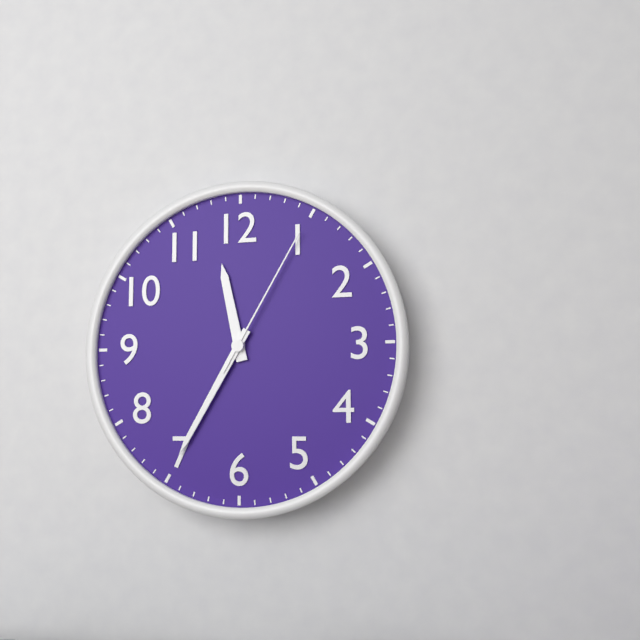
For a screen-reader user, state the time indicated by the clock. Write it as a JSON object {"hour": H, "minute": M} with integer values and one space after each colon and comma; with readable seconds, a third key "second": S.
{"hour": 11, "minute": 35, "second": 5}
